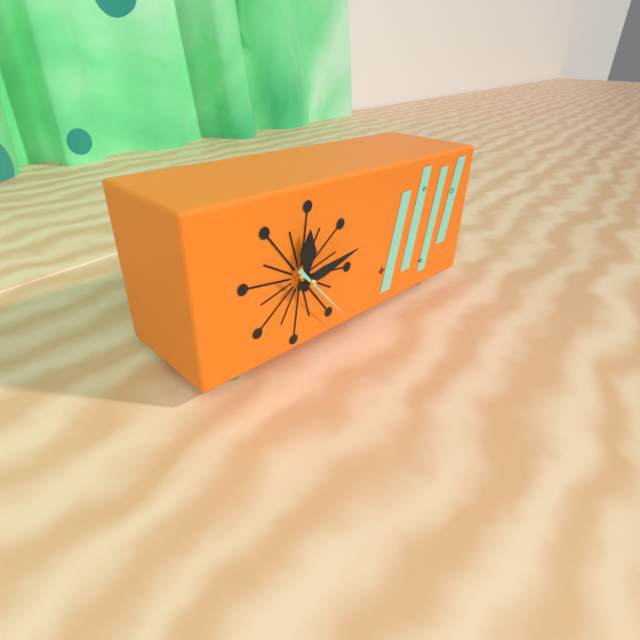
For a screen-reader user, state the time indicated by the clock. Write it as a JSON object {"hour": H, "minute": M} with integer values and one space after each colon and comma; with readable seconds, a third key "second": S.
{"hour": 12, "minute": 13, "second": 23}
